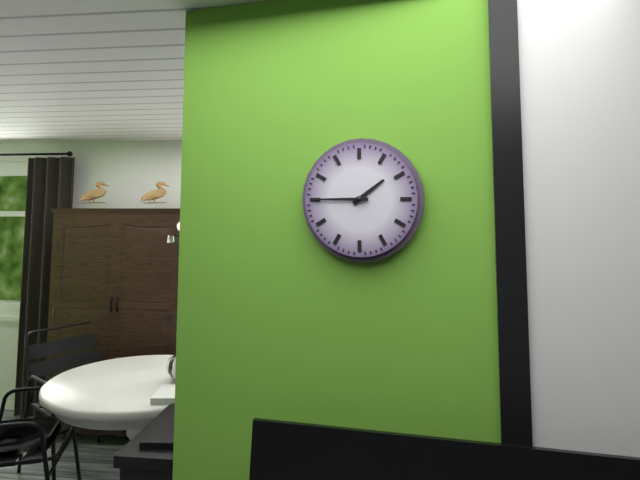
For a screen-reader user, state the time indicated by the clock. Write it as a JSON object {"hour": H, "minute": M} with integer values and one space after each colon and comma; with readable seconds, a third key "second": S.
{"hour": 1, "minute": 45}
